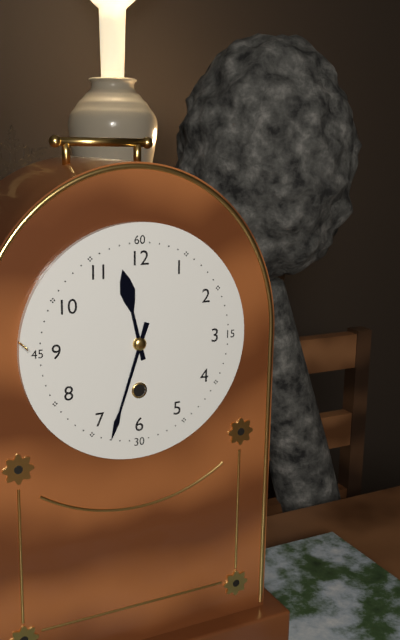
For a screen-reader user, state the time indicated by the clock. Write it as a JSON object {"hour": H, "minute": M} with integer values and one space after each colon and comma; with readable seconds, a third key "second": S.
{"hour": 11, "minute": 33}
